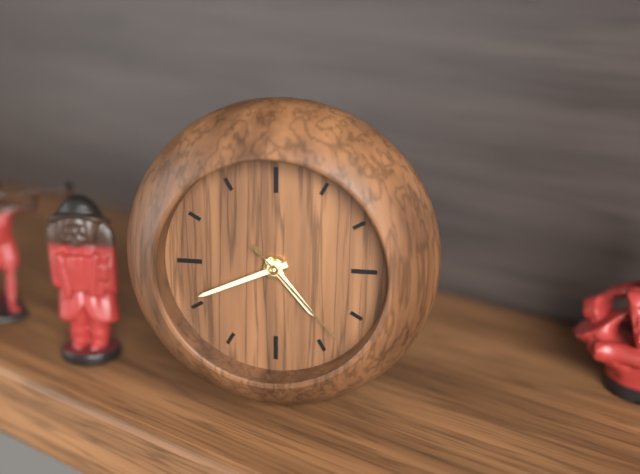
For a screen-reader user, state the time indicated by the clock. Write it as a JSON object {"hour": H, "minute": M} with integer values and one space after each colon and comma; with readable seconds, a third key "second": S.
{"hour": 4, "minute": 41, "second": 23}
